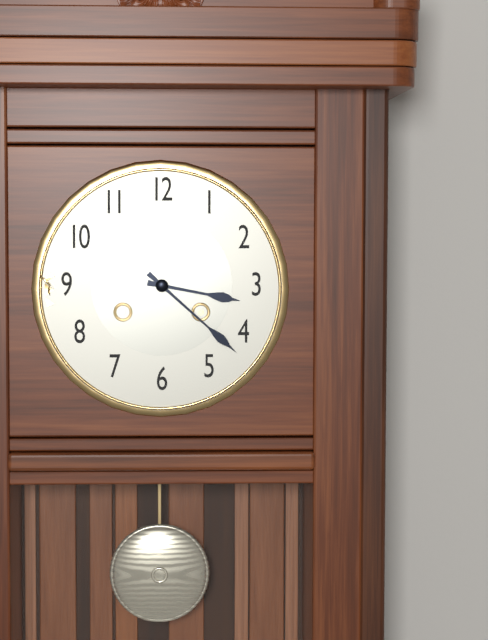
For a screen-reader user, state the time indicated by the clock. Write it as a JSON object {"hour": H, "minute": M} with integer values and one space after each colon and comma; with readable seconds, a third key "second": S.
{"hour": 3, "minute": 22}
